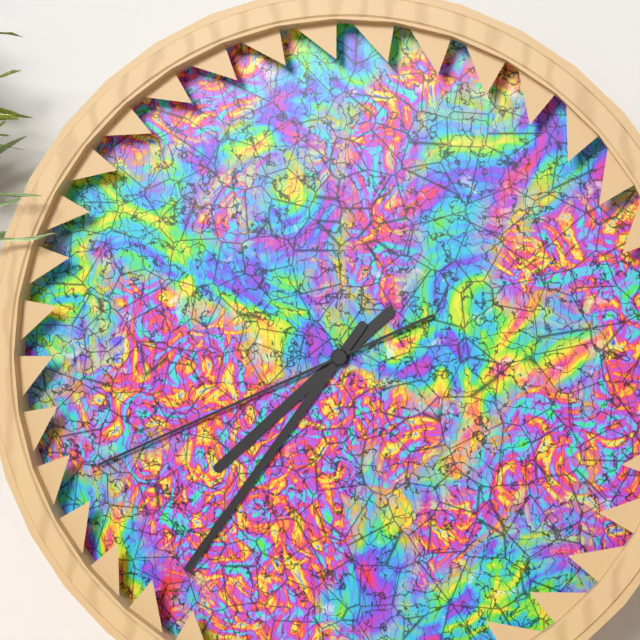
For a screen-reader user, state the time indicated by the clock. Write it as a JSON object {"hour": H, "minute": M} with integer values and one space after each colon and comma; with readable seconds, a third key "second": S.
{"hour": 7, "minute": 36, "second": 41}
